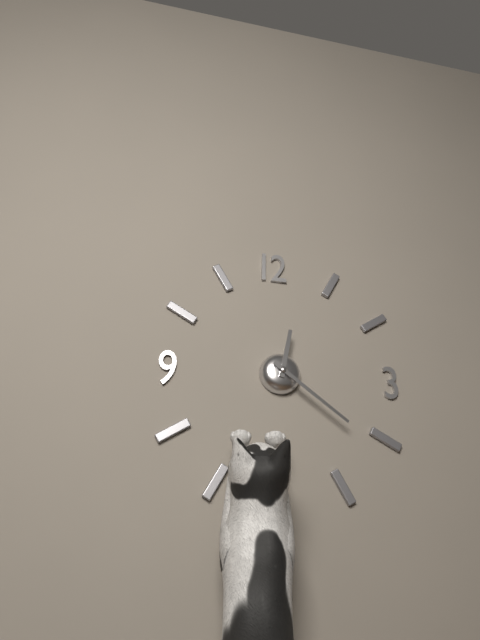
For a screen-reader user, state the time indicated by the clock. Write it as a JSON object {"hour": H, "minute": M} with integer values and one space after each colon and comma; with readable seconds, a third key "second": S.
{"hour": 12, "minute": 21}
